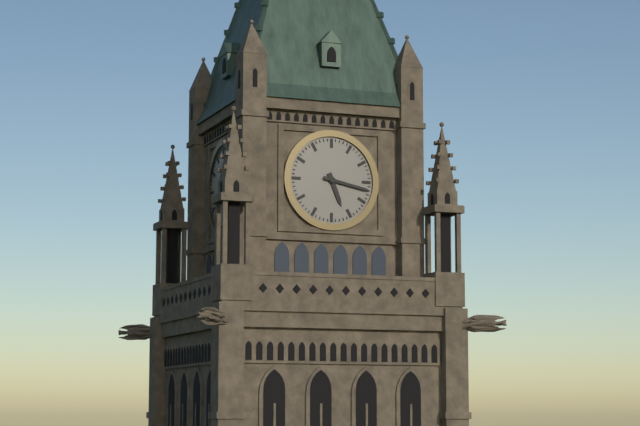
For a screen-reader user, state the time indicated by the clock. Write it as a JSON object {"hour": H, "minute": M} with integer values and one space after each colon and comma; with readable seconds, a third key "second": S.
{"hour": 5, "minute": 17}
